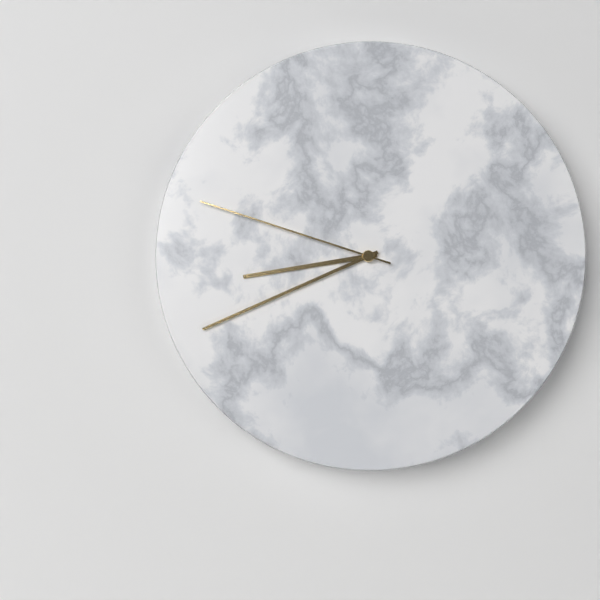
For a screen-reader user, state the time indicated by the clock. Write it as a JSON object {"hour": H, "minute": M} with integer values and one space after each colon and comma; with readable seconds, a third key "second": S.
{"hour": 8, "minute": 41, "second": 48}
